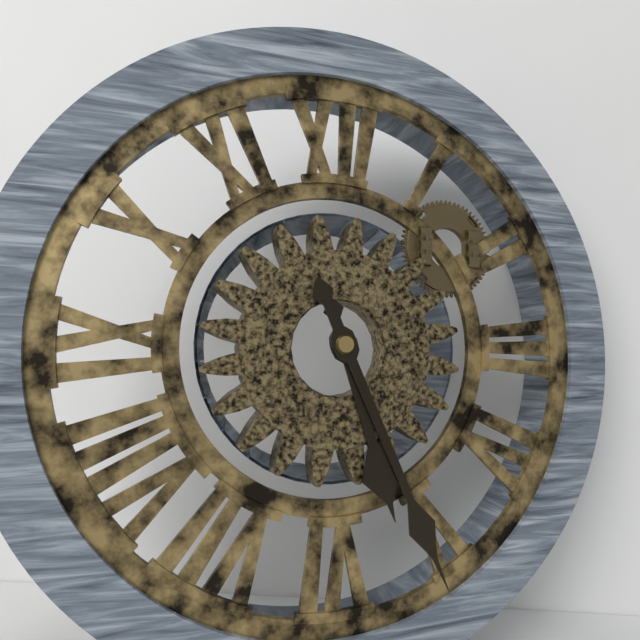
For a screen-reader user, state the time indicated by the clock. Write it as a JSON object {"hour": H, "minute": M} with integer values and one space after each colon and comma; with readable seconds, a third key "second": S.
{"hour": 5, "minute": 26}
